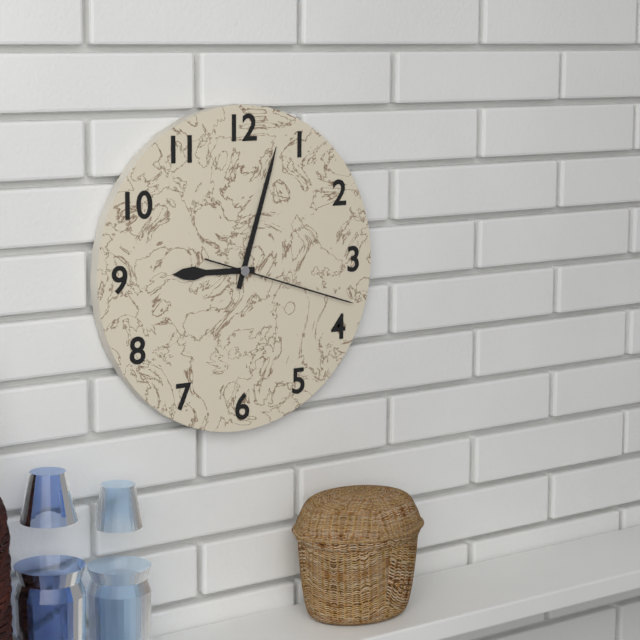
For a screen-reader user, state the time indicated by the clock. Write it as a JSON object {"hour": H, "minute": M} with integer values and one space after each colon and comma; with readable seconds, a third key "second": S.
{"hour": 9, "minute": 3, "second": 18}
